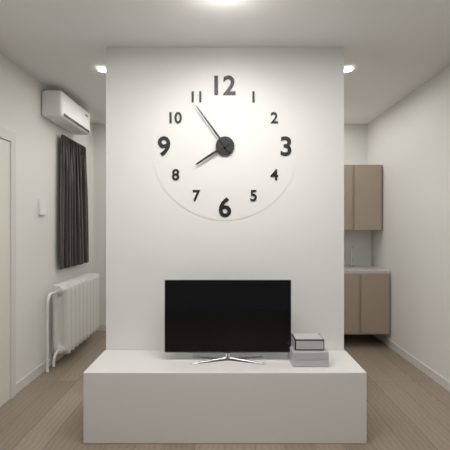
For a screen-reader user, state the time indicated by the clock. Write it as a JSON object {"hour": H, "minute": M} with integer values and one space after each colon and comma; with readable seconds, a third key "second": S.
{"hour": 7, "minute": 54}
